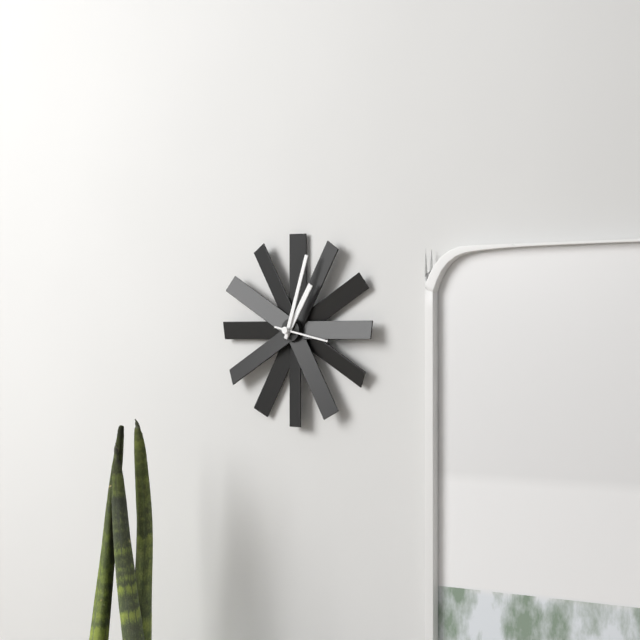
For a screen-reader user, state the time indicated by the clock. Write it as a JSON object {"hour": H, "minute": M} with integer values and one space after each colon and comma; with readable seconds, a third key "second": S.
{"hour": 1, "minute": 3, "second": 17}
